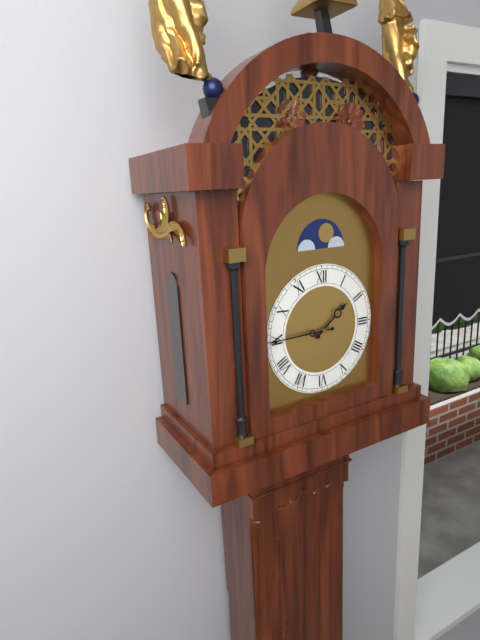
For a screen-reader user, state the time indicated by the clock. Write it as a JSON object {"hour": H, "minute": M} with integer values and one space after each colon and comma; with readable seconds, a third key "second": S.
{"hour": 1, "minute": 45}
